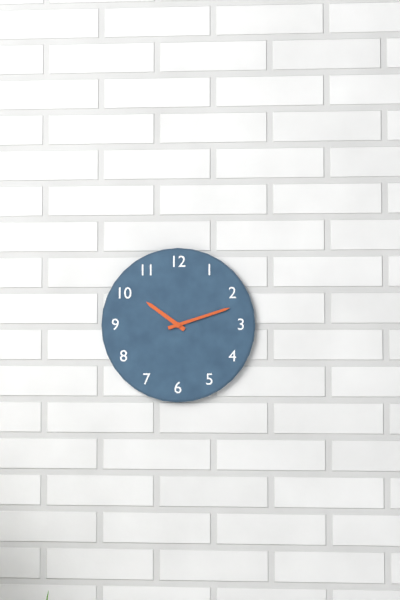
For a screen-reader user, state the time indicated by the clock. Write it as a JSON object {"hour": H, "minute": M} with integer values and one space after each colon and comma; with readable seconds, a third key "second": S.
{"hour": 10, "minute": 12}
